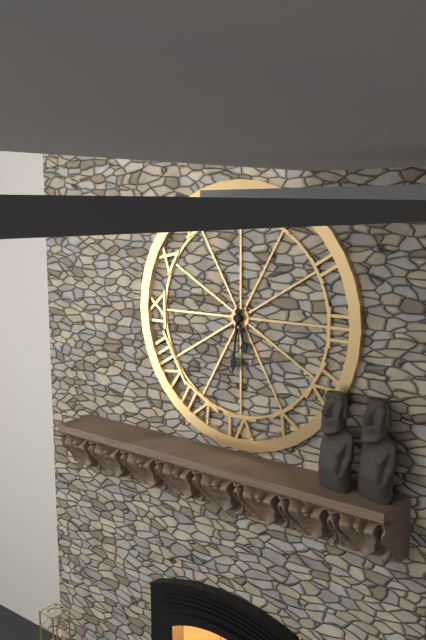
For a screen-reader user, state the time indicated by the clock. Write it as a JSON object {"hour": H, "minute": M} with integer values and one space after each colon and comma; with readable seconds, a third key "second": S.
{"hour": 5, "minute": 31}
